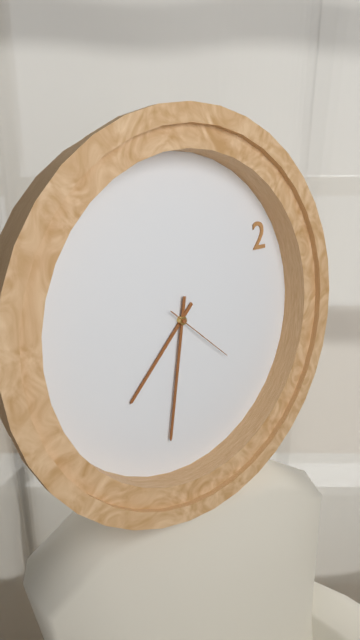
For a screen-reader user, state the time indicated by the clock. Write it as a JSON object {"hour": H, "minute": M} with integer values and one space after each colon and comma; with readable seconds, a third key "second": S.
{"hour": 7, "minute": 32, "second": 22}
